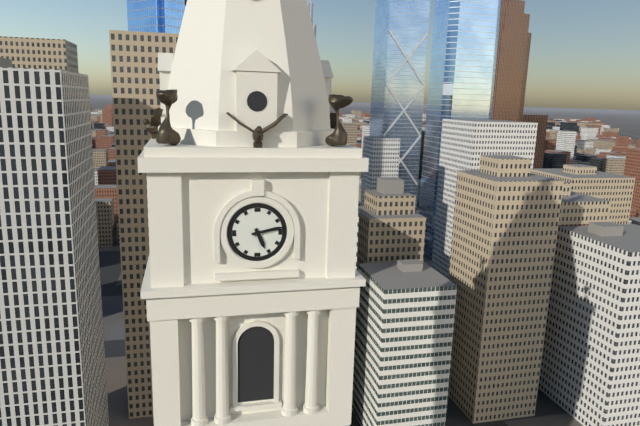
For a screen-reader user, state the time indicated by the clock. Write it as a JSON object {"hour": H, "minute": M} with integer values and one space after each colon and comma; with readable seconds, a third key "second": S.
{"hour": 5, "minute": 13}
